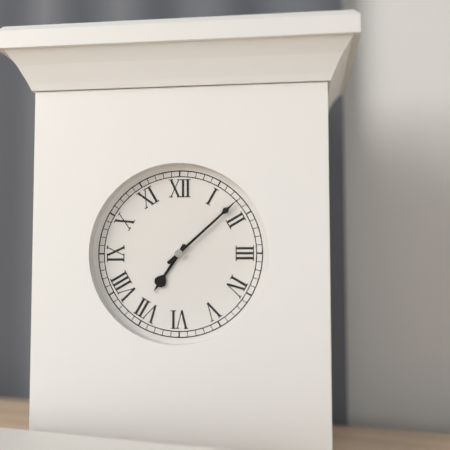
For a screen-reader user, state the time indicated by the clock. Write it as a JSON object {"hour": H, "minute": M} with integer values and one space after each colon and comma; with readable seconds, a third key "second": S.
{"hour": 7, "minute": 8}
